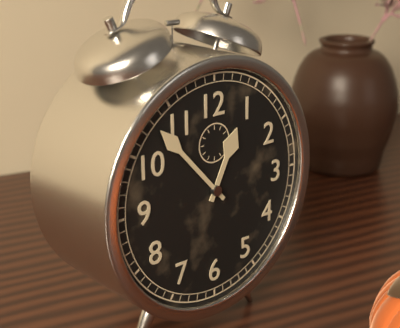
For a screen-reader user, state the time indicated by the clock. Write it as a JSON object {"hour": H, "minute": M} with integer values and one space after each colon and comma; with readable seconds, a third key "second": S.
{"hour": 12, "minute": 53}
